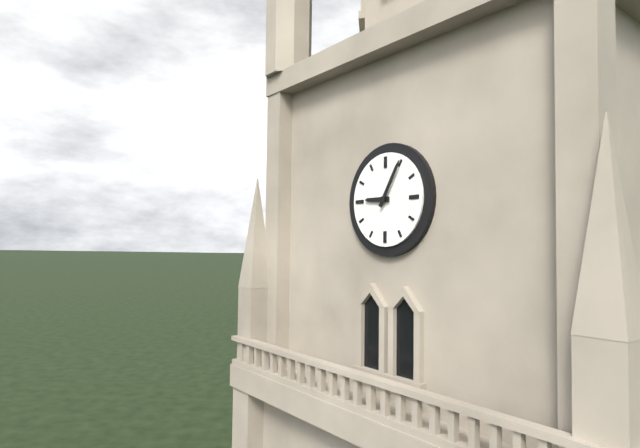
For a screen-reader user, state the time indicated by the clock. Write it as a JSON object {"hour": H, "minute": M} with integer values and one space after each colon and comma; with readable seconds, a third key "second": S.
{"hour": 9, "minute": 5}
